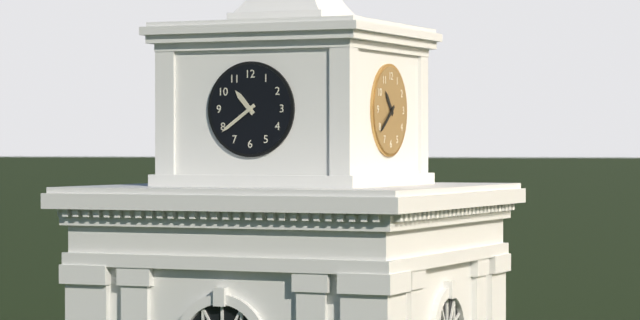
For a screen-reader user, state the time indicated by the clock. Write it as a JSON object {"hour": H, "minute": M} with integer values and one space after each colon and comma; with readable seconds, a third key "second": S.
{"hour": 10, "minute": 39}
